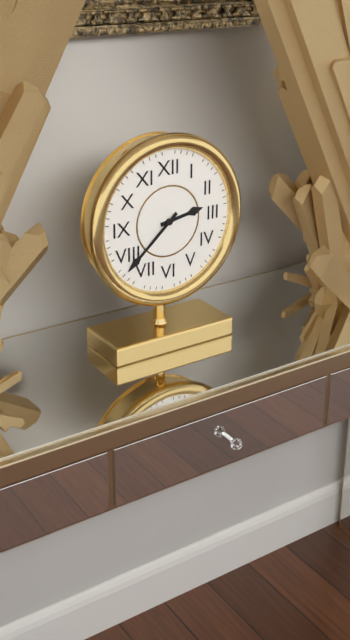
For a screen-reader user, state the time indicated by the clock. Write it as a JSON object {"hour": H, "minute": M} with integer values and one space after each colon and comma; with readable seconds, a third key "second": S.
{"hour": 2, "minute": 38}
